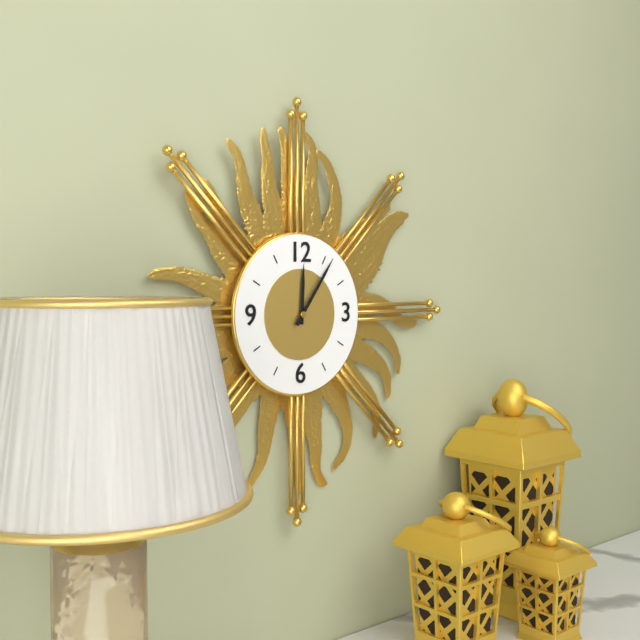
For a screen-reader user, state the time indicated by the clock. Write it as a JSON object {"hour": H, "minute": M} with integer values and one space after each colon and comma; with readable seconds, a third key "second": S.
{"hour": 12, "minute": 6}
